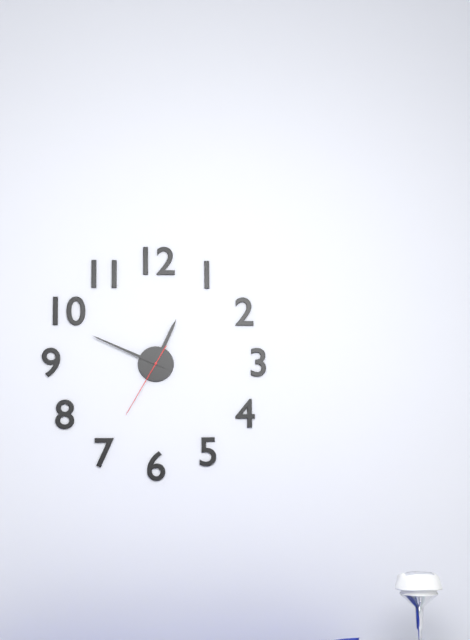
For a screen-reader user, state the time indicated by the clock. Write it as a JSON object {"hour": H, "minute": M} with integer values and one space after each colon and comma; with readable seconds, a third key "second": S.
{"hour": 12, "minute": 49, "second": 35}
